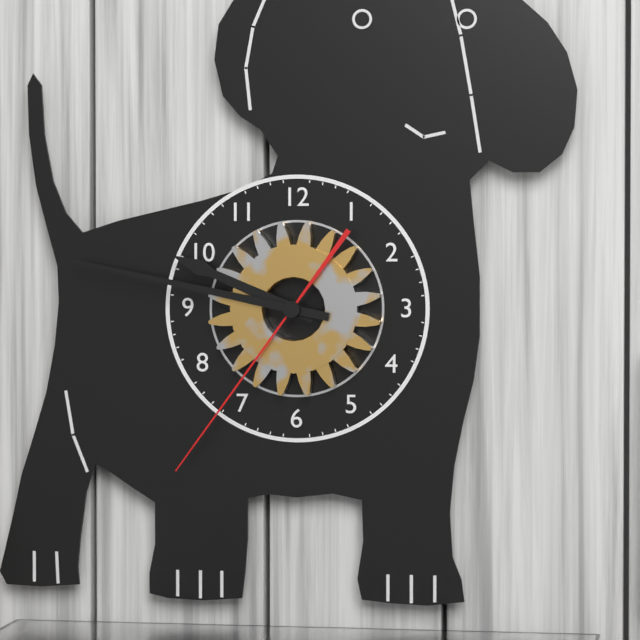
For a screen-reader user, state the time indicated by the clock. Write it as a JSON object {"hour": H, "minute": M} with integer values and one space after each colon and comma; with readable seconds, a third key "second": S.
{"hour": 9, "minute": 47, "second": 36}
